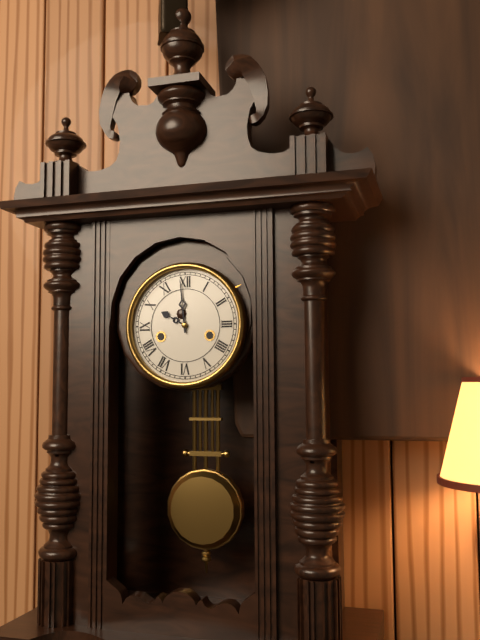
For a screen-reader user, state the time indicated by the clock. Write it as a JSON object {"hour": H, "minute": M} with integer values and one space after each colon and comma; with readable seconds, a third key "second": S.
{"hour": 9, "minute": 59}
